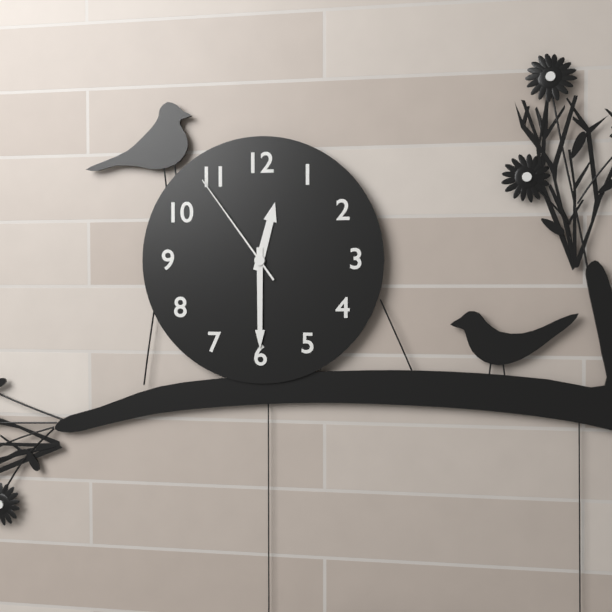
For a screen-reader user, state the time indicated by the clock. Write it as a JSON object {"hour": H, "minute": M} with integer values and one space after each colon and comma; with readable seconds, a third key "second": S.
{"hour": 12, "minute": 30, "second": 54}
